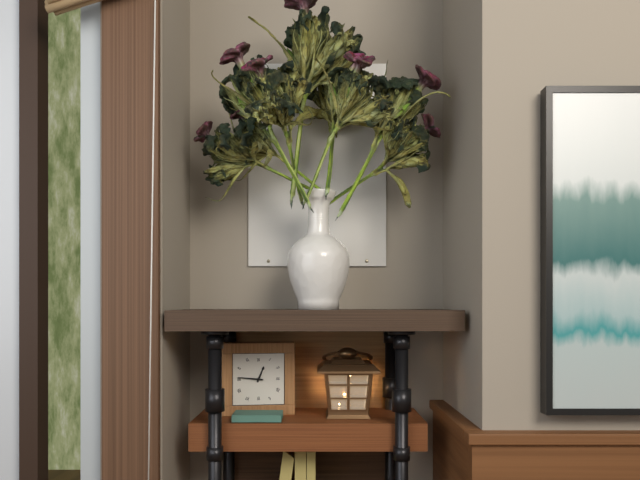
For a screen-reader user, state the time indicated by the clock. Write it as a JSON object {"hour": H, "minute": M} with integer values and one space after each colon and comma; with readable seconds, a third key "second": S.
{"hour": 12, "minute": 46}
